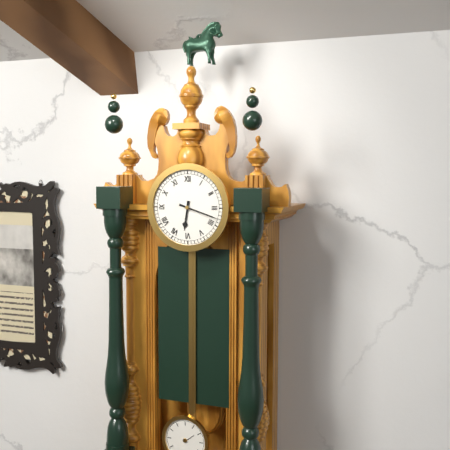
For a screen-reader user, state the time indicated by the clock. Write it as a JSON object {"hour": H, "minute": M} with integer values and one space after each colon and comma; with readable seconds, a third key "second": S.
{"hour": 6, "minute": 18}
